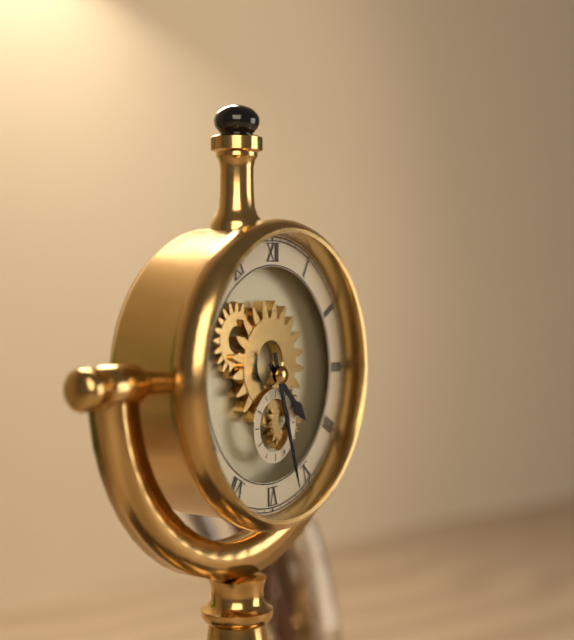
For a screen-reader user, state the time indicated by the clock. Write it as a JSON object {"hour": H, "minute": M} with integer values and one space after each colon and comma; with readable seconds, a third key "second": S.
{"hour": 4, "minute": 27}
